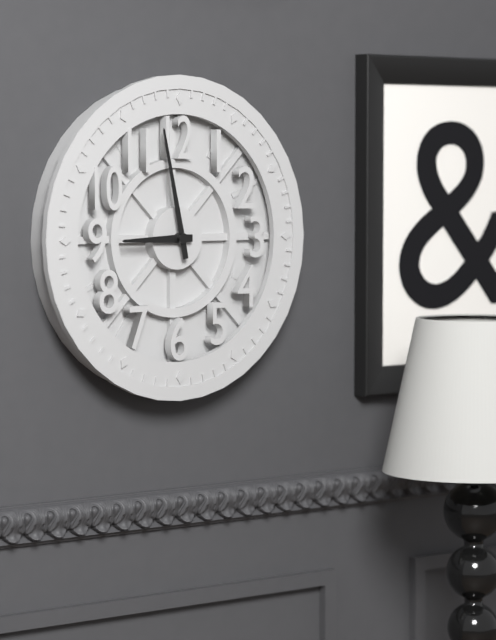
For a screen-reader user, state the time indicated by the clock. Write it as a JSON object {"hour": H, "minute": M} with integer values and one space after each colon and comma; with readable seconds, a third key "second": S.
{"hour": 8, "minute": 58}
